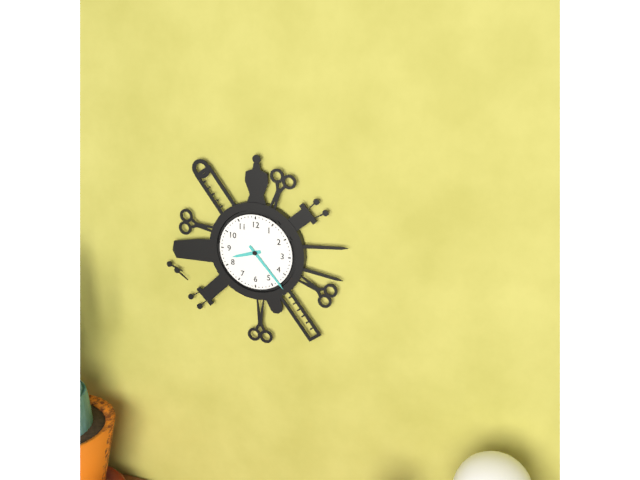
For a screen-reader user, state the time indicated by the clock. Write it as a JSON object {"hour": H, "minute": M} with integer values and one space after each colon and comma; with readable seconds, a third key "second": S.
{"hour": 8, "minute": 23}
